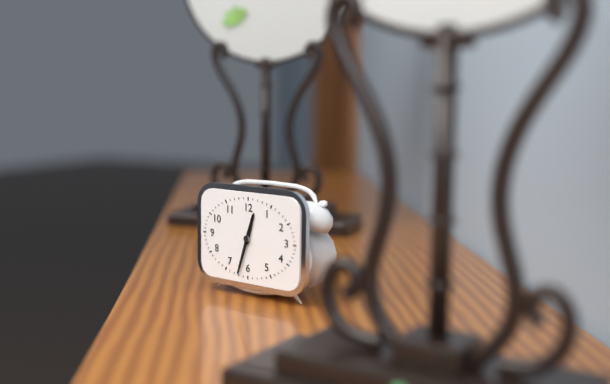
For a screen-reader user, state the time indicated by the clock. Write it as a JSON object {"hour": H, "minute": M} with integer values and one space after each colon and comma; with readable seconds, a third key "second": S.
{"hour": 12, "minute": 33}
